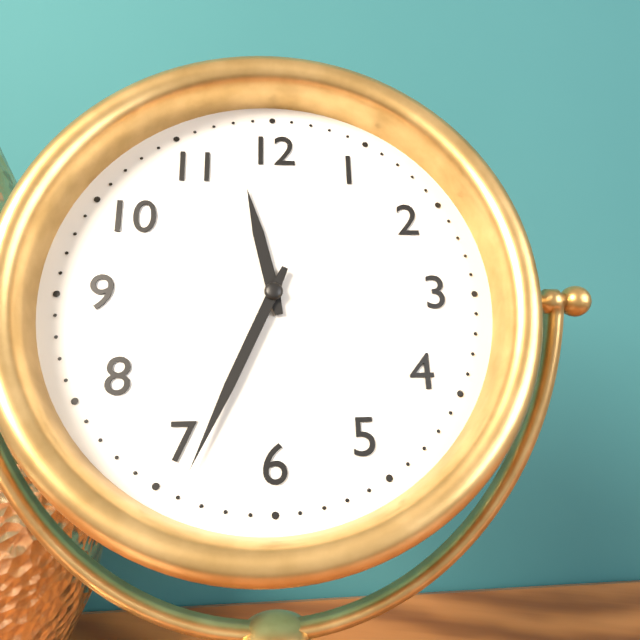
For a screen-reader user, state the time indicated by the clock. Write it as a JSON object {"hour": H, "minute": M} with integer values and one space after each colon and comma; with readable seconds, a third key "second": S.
{"hour": 11, "minute": 34}
